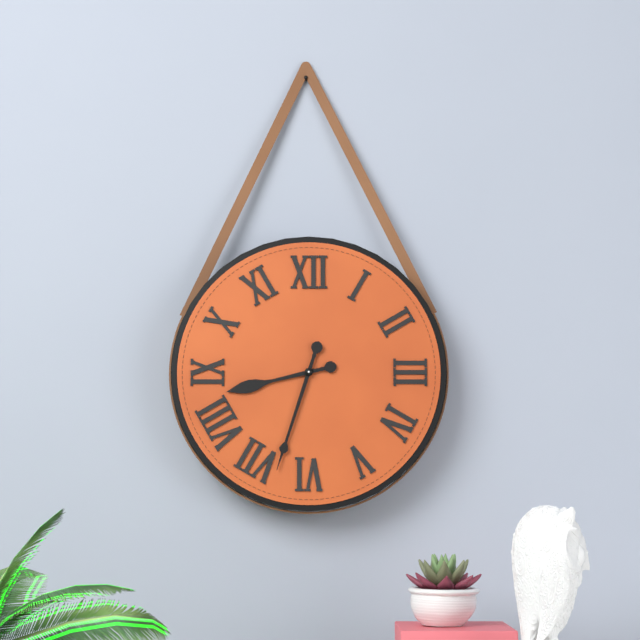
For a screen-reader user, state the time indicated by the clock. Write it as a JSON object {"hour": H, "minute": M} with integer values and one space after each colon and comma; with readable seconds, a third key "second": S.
{"hour": 8, "minute": 33}
